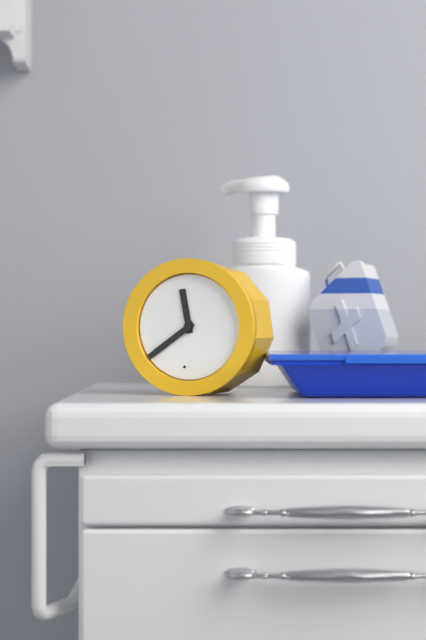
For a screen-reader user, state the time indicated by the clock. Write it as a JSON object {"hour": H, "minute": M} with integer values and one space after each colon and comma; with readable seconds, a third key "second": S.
{"hour": 11, "minute": 39}
